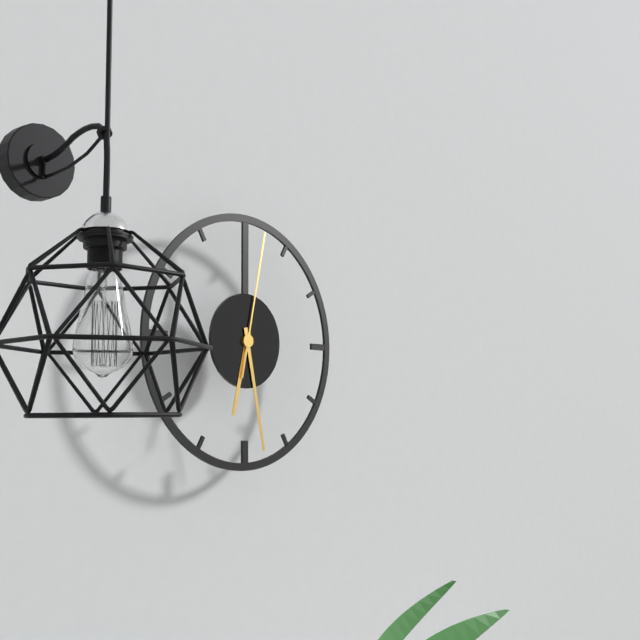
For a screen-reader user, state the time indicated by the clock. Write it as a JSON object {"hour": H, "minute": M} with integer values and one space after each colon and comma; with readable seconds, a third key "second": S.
{"hour": 6, "minute": 28, "second": 2}
